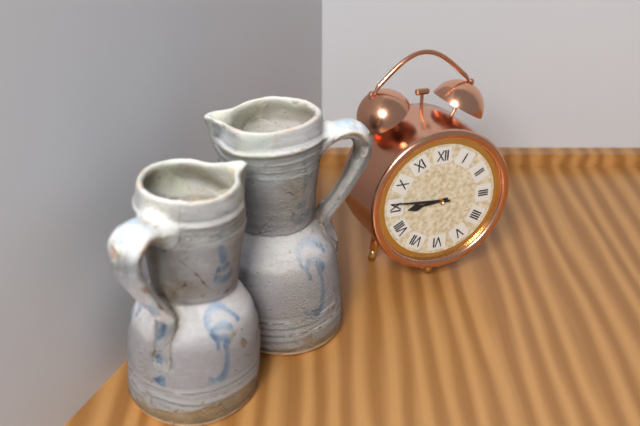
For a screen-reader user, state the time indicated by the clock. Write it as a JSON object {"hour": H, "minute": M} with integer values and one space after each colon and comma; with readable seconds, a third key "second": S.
{"hour": 8, "minute": 46}
